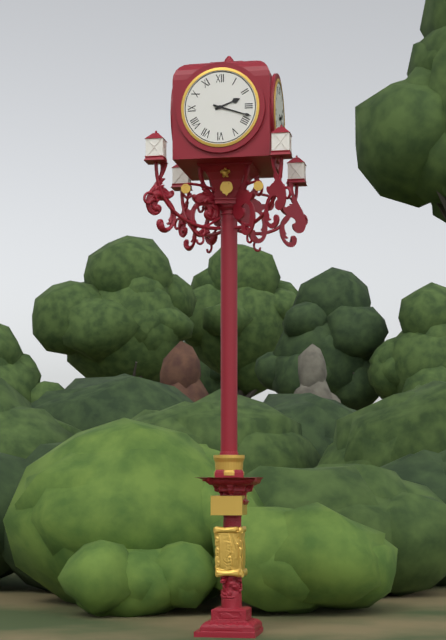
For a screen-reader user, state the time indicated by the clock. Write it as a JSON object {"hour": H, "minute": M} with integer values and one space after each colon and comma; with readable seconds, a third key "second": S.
{"hour": 2, "minute": 18}
